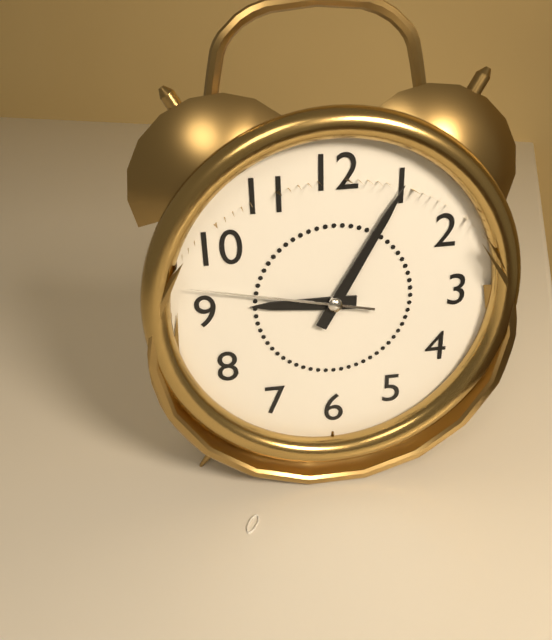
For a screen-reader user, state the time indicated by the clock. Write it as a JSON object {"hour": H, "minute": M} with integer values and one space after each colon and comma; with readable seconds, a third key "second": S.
{"hour": 9, "minute": 5, "second": 47}
